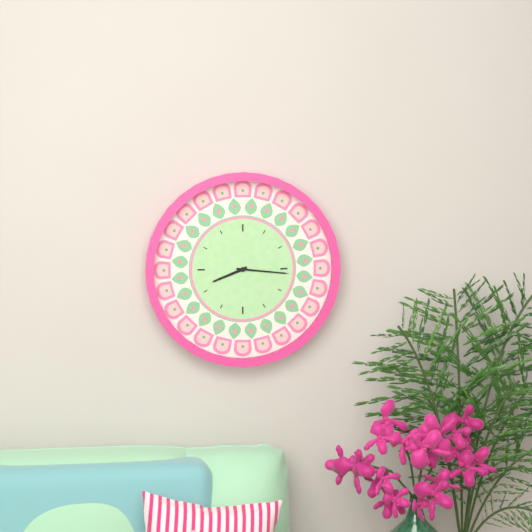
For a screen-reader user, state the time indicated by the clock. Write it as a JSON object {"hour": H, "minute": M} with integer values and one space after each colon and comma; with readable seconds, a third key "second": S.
{"hour": 8, "minute": 16}
